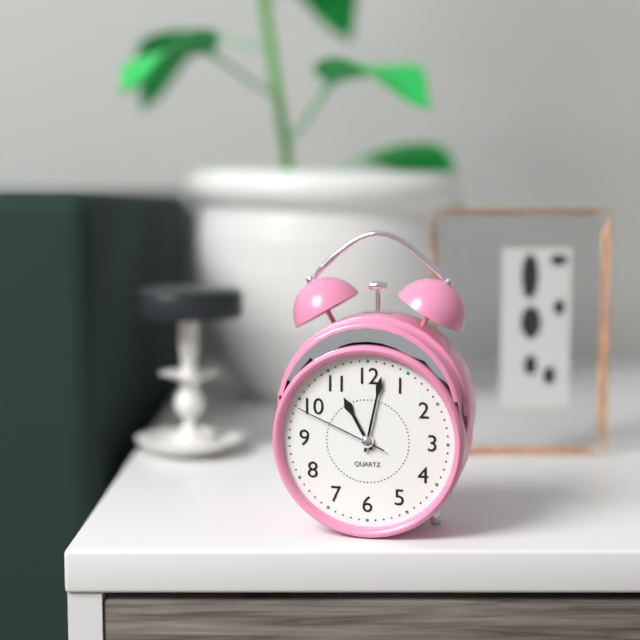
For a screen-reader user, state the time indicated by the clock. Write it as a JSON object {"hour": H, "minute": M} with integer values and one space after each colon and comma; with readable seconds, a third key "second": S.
{"hour": 11, "minute": 2, "second": 49}
